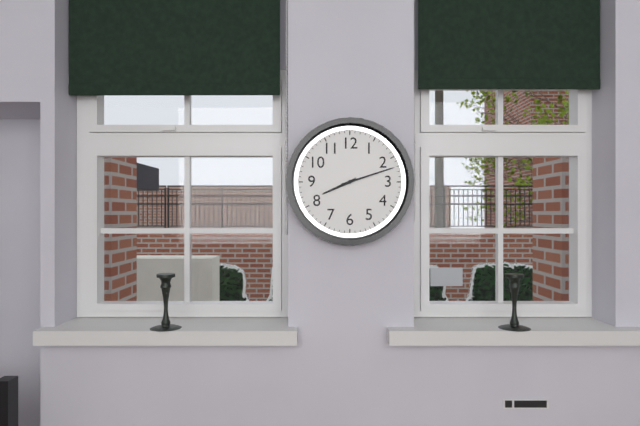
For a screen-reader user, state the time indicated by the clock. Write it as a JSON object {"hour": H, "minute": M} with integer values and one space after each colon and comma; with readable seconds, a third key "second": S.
{"hour": 8, "minute": 12}
